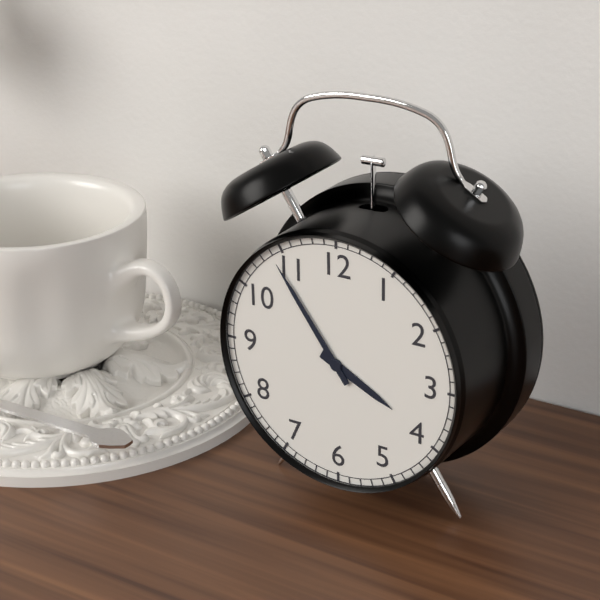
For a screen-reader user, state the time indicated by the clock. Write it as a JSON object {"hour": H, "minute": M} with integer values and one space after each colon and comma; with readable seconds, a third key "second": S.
{"hour": 3, "minute": 54}
